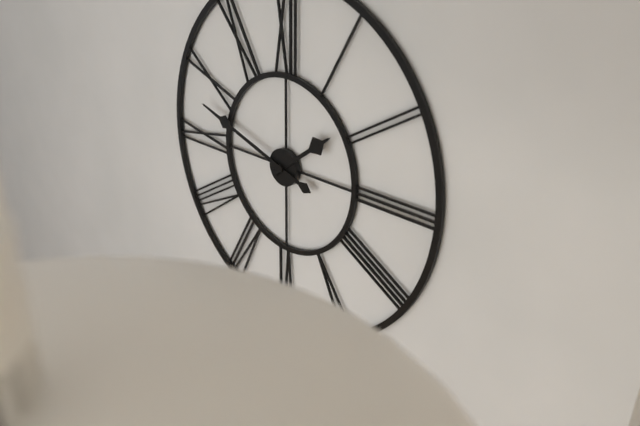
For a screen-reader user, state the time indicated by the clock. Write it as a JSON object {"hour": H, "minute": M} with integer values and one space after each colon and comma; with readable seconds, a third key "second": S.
{"hour": 1, "minute": 48}
